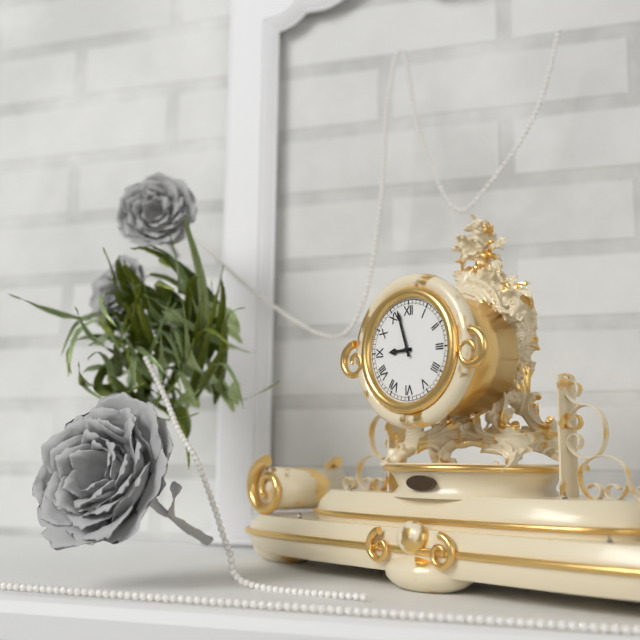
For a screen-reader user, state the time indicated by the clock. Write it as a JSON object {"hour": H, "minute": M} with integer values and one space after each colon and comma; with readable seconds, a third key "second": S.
{"hour": 8, "minute": 57}
